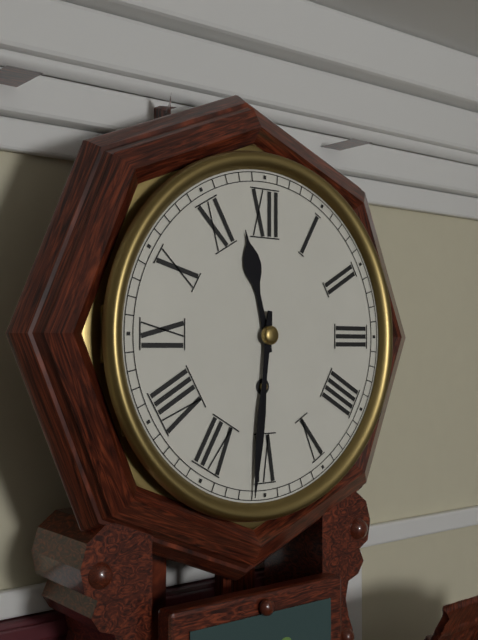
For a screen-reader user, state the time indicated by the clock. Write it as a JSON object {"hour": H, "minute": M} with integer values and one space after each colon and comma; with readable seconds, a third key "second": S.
{"hour": 11, "minute": 31}
